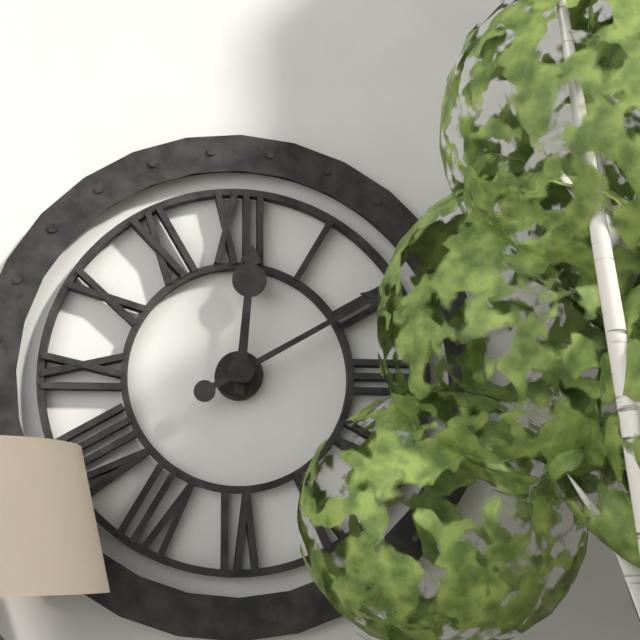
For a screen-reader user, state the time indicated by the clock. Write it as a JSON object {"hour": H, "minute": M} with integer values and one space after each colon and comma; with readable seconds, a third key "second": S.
{"hour": 12, "minute": 10}
